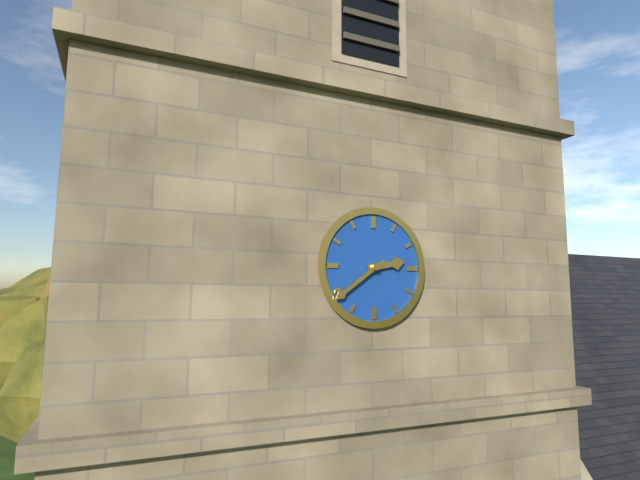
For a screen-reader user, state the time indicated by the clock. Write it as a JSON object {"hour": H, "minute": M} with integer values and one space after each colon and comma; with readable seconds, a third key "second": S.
{"hour": 2, "minute": 39}
